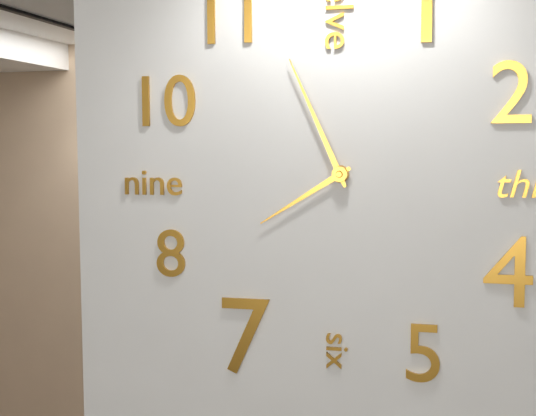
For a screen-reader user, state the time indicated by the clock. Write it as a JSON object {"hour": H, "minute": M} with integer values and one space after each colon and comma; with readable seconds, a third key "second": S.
{"hour": 7, "minute": 56}
